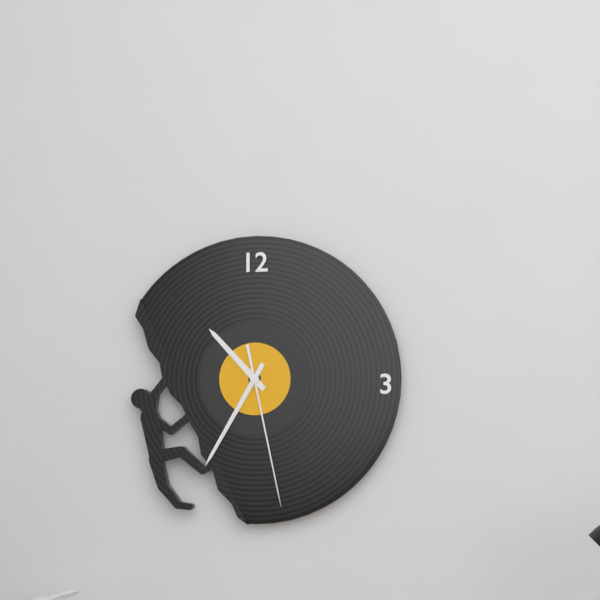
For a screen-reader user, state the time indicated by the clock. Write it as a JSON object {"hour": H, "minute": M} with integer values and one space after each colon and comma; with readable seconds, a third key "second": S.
{"hour": 10, "minute": 35, "second": 28}
